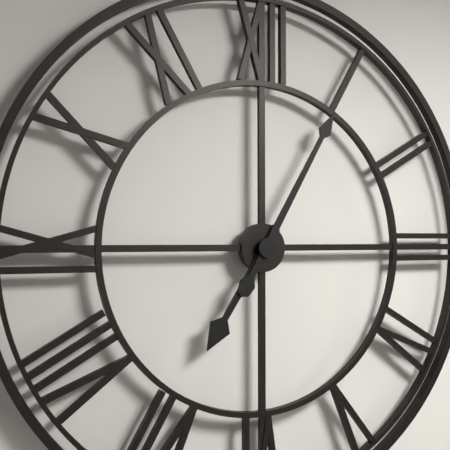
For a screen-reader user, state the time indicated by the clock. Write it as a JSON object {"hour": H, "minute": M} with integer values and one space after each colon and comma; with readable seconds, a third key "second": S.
{"hour": 7, "minute": 5}
